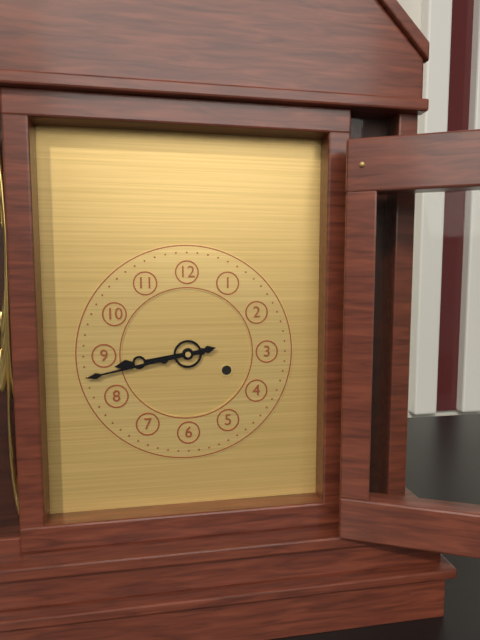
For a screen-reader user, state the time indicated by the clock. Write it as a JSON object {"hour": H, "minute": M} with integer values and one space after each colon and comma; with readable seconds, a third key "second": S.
{"hour": 8, "minute": 43}
